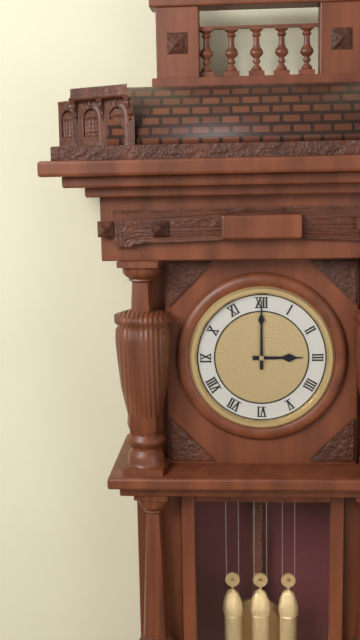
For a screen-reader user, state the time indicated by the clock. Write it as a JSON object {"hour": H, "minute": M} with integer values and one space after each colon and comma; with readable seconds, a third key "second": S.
{"hour": 3, "minute": 0}
